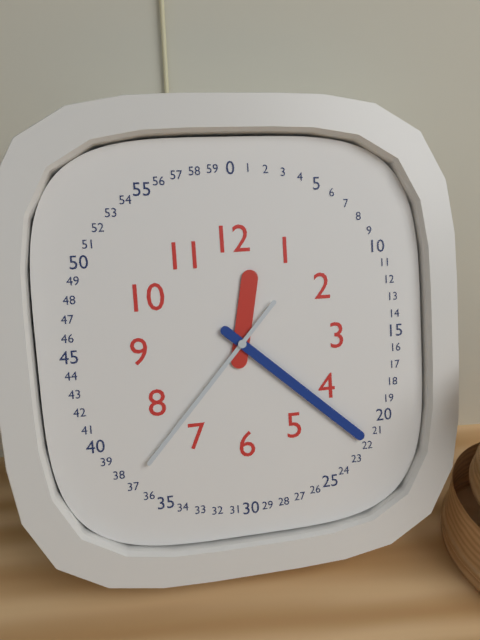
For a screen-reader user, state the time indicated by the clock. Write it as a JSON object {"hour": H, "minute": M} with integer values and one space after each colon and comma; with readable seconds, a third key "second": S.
{"hour": 12, "minute": 22, "second": 37}
